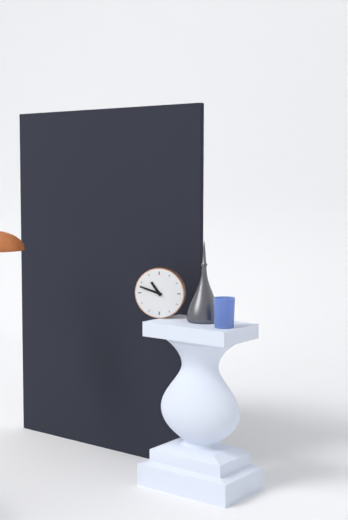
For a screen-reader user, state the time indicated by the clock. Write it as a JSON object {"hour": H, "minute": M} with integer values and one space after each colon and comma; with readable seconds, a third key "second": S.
{"hour": 10, "minute": 48}
